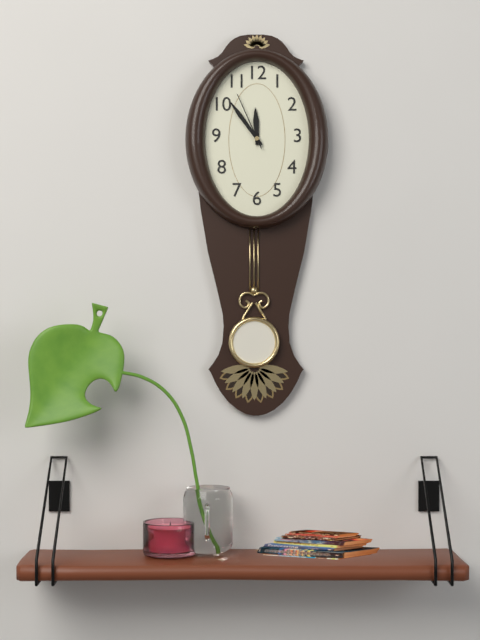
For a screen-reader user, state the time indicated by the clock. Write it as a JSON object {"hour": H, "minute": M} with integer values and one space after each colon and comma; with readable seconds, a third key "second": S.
{"hour": 11, "minute": 54, "second": 56}
